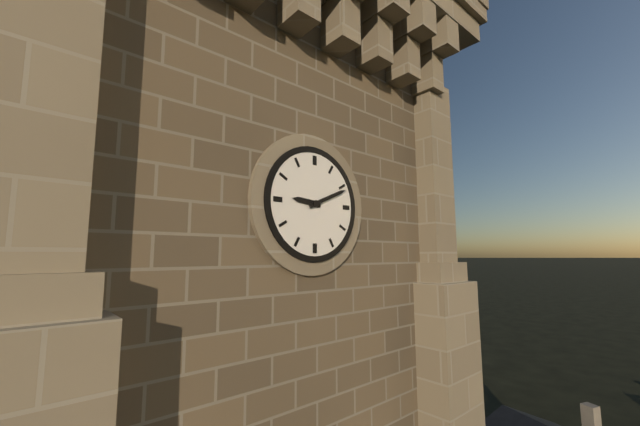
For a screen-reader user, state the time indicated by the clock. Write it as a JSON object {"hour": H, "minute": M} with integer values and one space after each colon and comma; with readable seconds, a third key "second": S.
{"hour": 9, "minute": 11}
